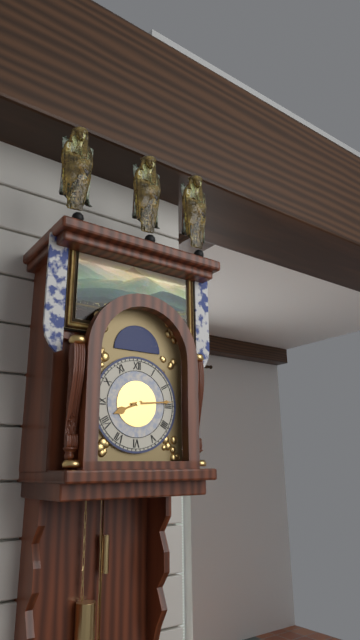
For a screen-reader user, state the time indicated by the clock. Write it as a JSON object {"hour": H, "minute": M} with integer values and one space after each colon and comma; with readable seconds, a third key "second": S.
{"hour": 8, "minute": 14}
